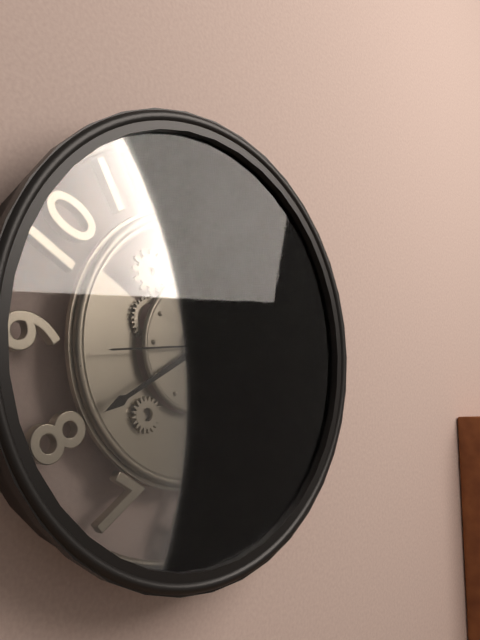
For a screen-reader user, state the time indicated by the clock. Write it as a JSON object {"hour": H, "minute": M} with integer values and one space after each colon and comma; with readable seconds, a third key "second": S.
{"hour": 3, "minute": 40, "second": 44}
